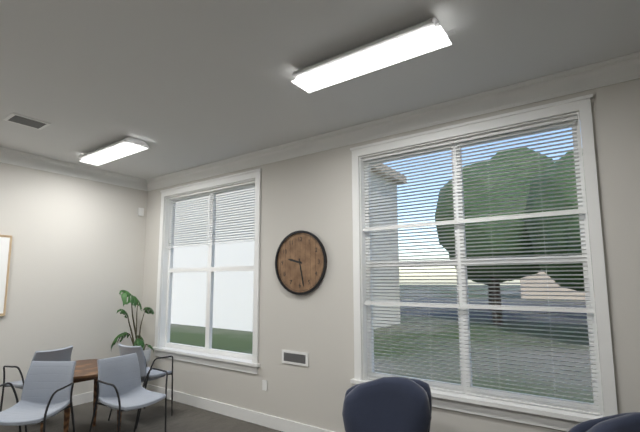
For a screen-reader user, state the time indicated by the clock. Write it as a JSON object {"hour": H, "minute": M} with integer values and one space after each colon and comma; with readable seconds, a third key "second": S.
{"hour": 9, "minute": 28}
